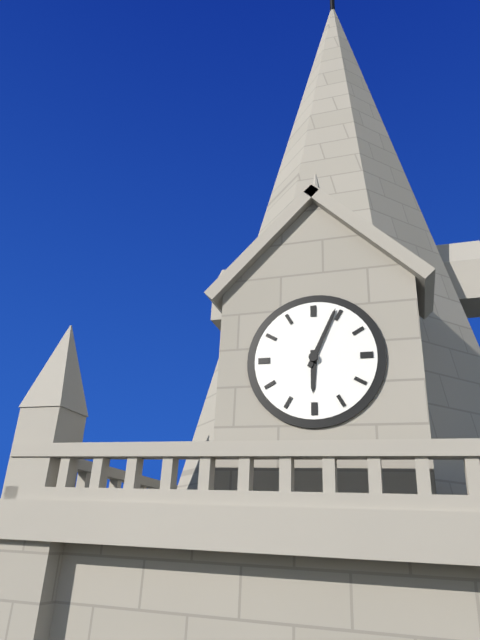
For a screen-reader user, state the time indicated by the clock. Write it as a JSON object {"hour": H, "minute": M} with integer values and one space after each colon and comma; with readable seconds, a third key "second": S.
{"hour": 6, "minute": 4}
